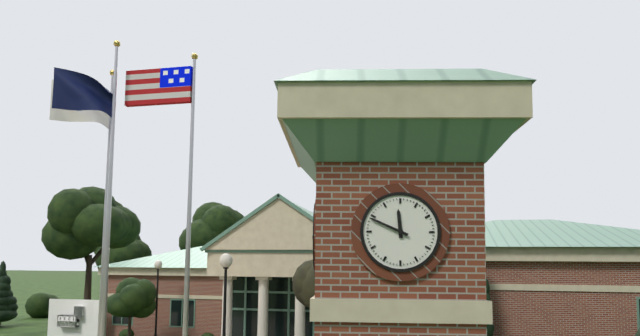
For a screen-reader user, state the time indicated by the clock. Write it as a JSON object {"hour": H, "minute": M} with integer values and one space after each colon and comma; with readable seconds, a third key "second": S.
{"hour": 11, "minute": 49}
